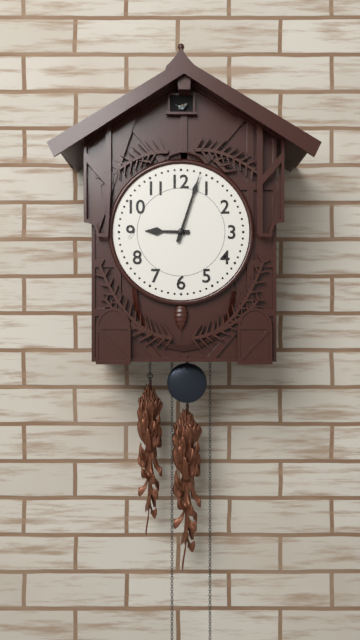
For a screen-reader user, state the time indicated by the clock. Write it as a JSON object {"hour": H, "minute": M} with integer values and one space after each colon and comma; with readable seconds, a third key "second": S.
{"hour": 9, "minute": 3}
